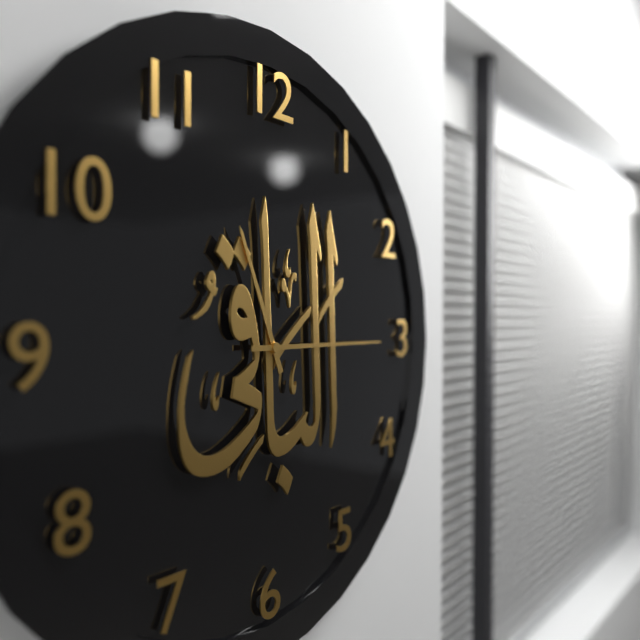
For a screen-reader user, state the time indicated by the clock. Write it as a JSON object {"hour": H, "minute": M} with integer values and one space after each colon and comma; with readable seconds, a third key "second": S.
{"hour": 11, "minute": 15}
